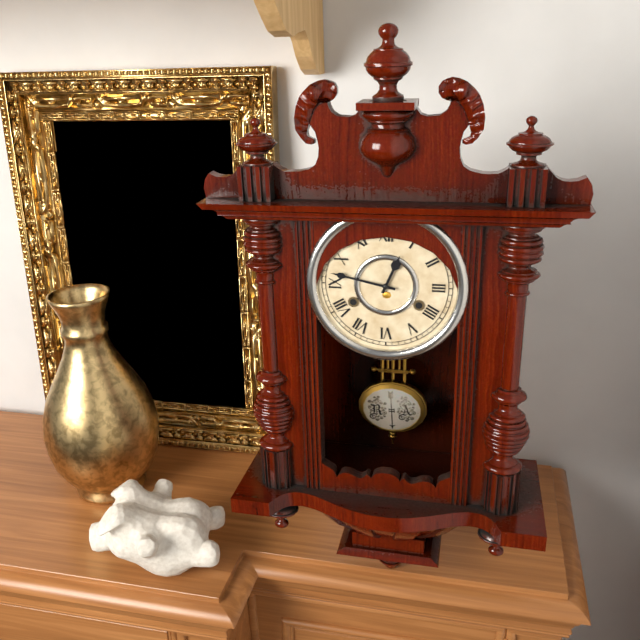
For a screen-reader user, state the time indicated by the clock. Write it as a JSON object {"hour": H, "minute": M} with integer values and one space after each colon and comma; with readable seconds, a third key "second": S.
{"hour": 12, "minute": 47}
